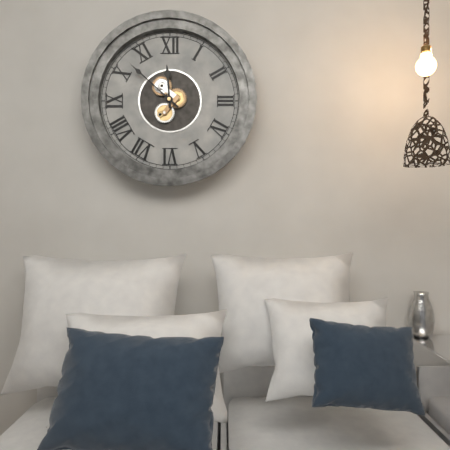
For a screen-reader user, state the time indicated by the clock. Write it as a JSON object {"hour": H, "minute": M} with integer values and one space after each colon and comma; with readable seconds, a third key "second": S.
{"hour": 11, "minute": 52}
